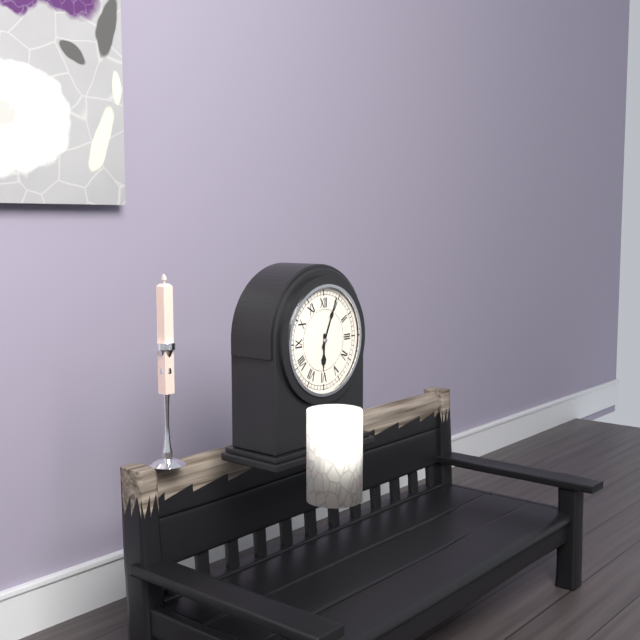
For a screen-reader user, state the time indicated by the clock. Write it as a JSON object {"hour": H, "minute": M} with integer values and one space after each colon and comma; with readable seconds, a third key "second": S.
{"hour": 6, "minute": 4}
